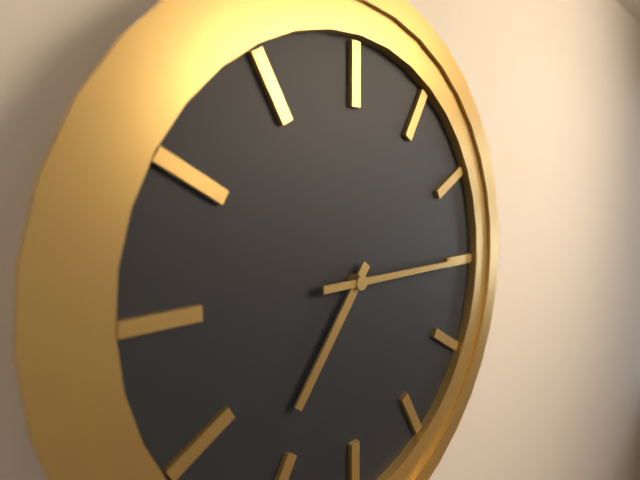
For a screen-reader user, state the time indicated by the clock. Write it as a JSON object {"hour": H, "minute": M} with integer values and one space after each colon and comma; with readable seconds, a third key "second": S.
{"hour": 7, "minute": 15}
